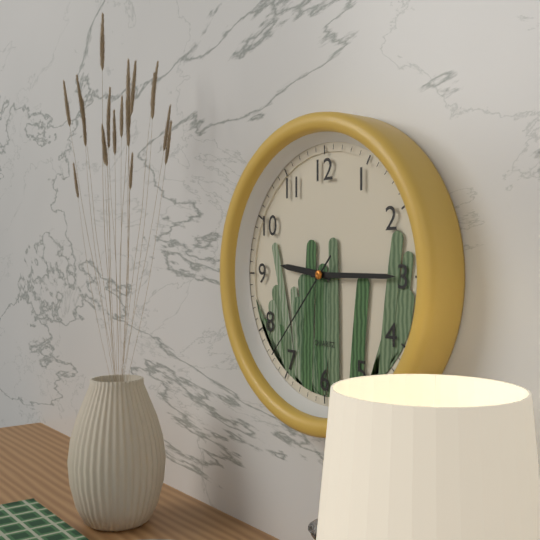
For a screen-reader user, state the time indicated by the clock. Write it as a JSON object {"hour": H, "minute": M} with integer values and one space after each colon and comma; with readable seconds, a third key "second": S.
{"hour": 9, "minute": 15, "second": 37}
